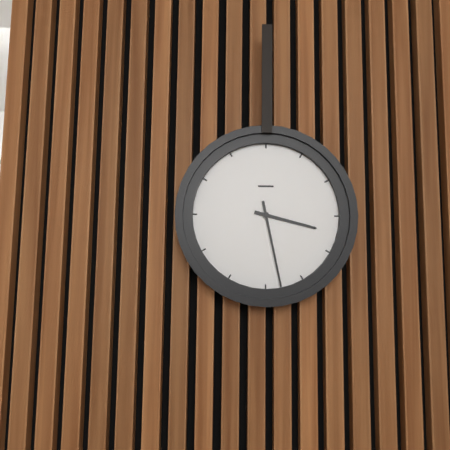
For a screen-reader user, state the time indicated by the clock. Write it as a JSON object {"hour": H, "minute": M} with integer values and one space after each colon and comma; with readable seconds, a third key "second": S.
{"hour": 3, "minute": 28}
